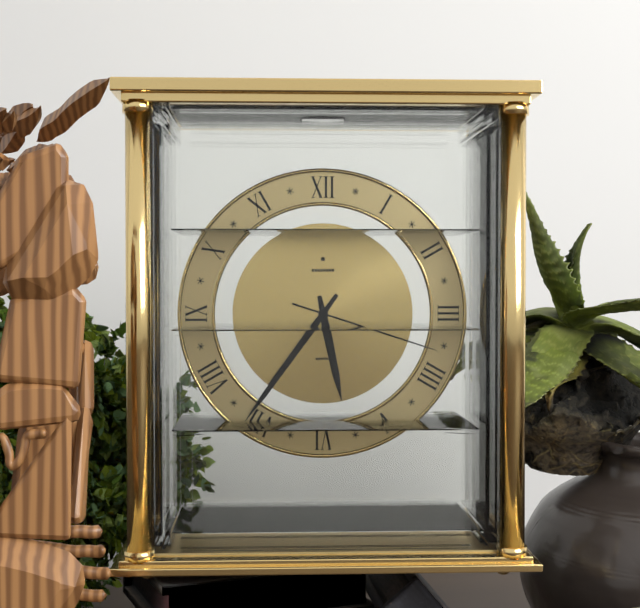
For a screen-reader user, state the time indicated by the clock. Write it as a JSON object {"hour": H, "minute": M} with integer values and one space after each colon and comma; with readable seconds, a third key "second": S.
{"hour": 5, "minute": 36, "second": 18}
